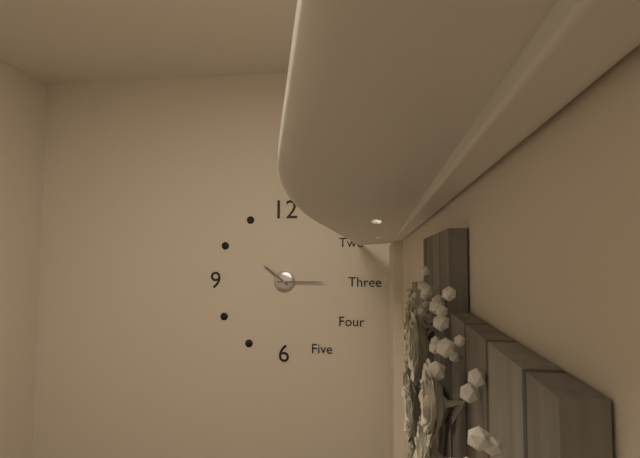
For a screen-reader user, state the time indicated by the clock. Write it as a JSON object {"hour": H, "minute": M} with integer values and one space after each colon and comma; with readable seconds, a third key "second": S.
{"hour": 10, "minute": 15}
